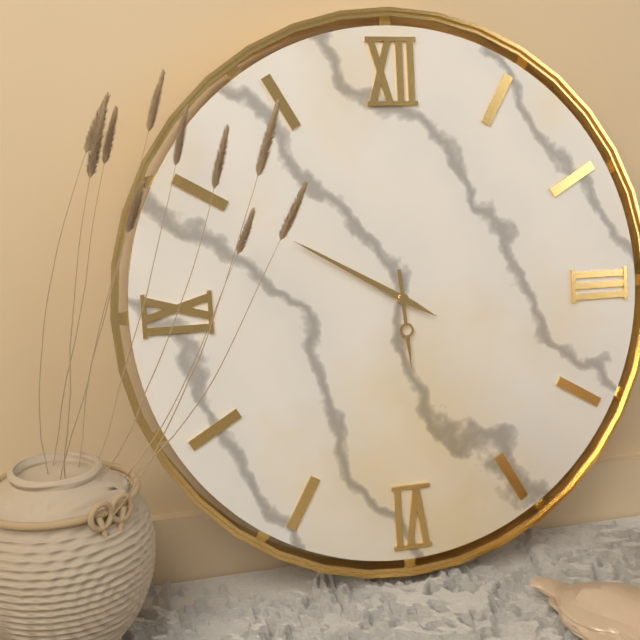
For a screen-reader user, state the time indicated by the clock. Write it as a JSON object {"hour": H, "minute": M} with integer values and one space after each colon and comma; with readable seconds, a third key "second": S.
{"hour": 5, "minute": 50}
